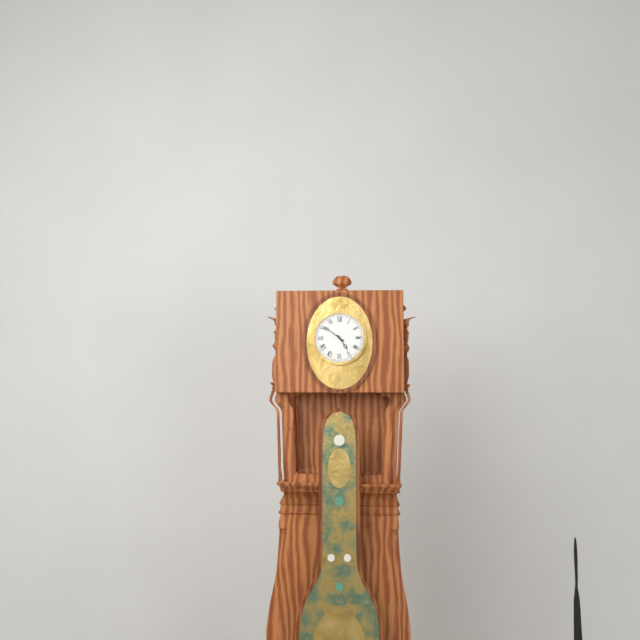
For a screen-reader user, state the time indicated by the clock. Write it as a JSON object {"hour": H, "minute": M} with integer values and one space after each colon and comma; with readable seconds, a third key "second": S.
{"hour": 4, "minute": 51}
